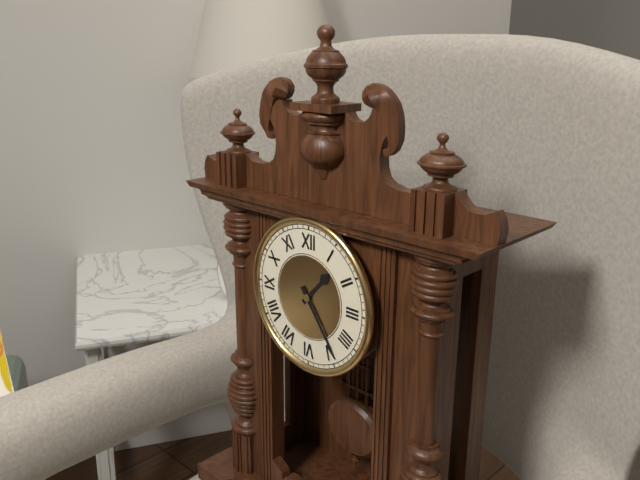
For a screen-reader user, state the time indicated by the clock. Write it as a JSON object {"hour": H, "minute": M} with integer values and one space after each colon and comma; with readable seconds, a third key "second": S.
{"hour": 1, "minute": 24}
